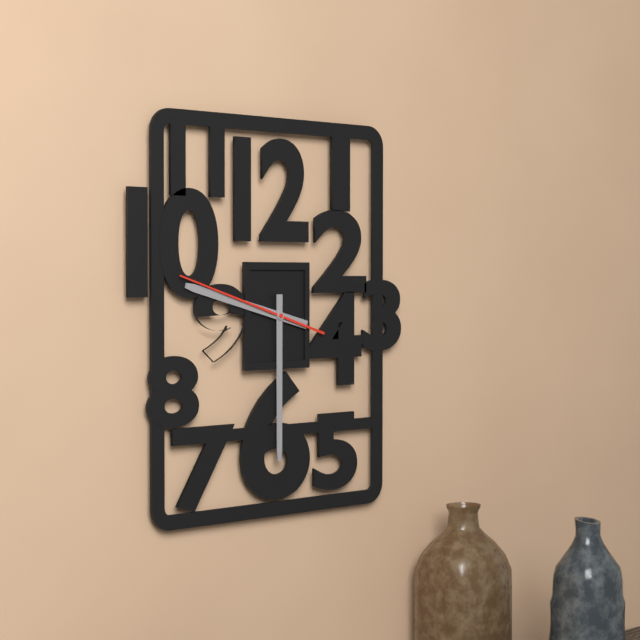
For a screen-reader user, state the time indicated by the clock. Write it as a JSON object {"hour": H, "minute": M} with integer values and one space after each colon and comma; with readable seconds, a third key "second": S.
{"hour": 9, "minute": 30, "second": 48}
